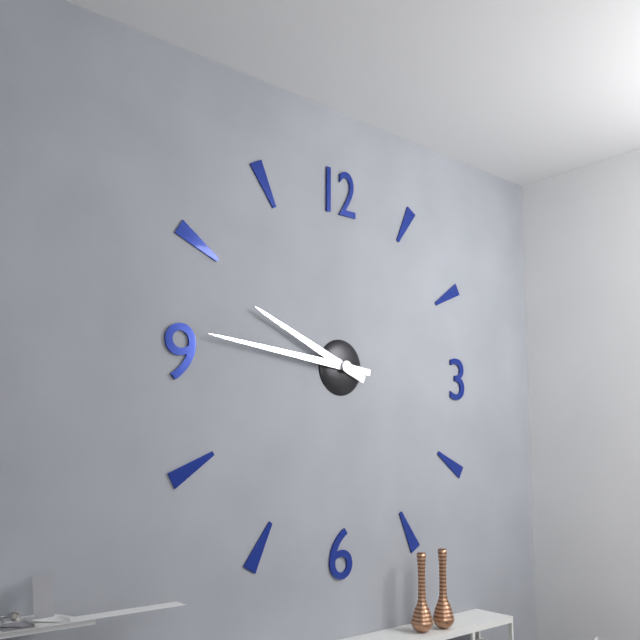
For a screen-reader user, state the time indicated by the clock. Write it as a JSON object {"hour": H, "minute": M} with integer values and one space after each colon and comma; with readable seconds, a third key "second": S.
{"hour": 9, "minute": 46}
